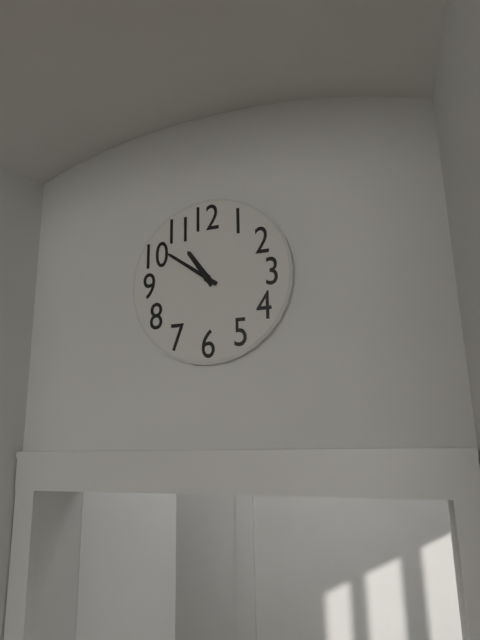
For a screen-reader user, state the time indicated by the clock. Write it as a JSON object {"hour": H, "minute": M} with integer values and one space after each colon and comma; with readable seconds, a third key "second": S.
{"hour": 10, "minute": 51}
